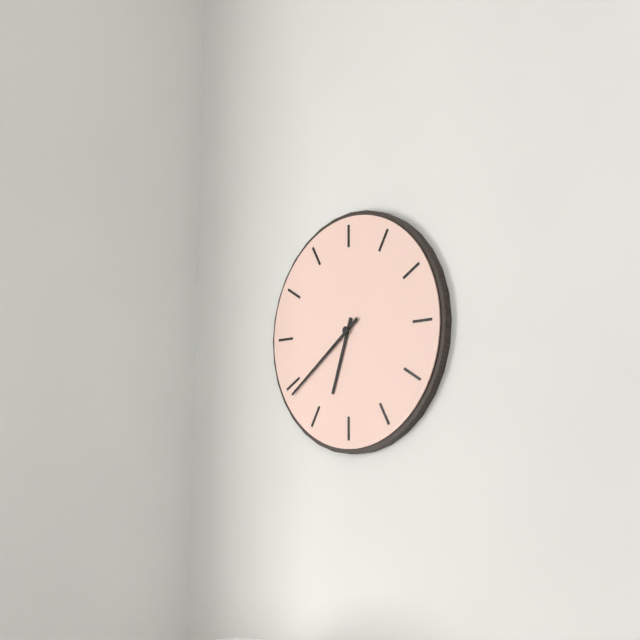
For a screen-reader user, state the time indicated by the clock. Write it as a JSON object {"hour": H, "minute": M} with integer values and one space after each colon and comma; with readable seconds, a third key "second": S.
{"hour": 6, "minute": 39}
